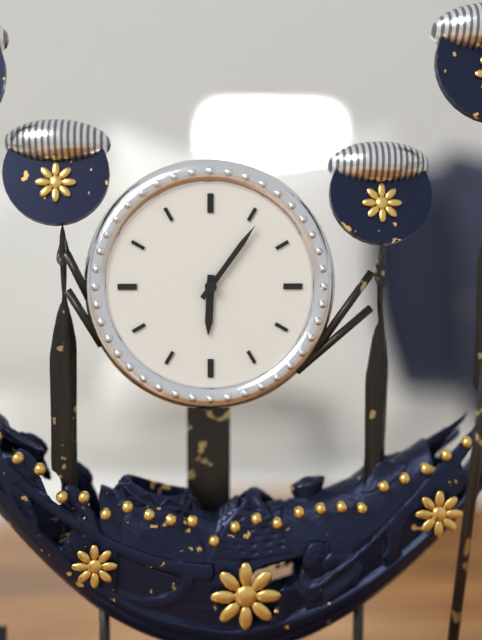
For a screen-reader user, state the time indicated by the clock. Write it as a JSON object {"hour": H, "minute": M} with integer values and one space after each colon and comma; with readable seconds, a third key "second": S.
{"hour": 6, "minute": 6}
